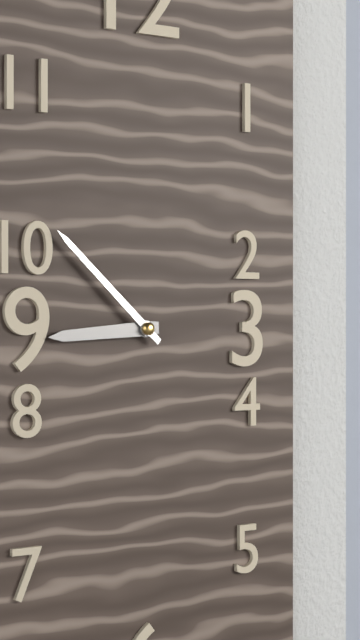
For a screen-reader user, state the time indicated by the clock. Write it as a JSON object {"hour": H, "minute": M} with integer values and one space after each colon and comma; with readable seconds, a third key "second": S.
{"hour": 8, "minute": 52}
